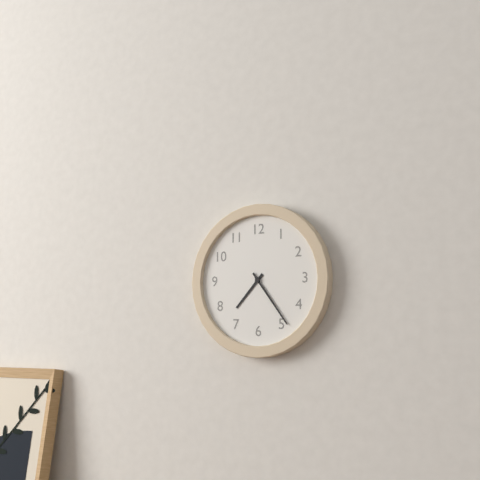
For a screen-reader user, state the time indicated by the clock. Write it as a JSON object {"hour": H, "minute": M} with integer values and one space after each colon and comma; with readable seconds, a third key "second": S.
{"hour": 7, "minute": 24}
